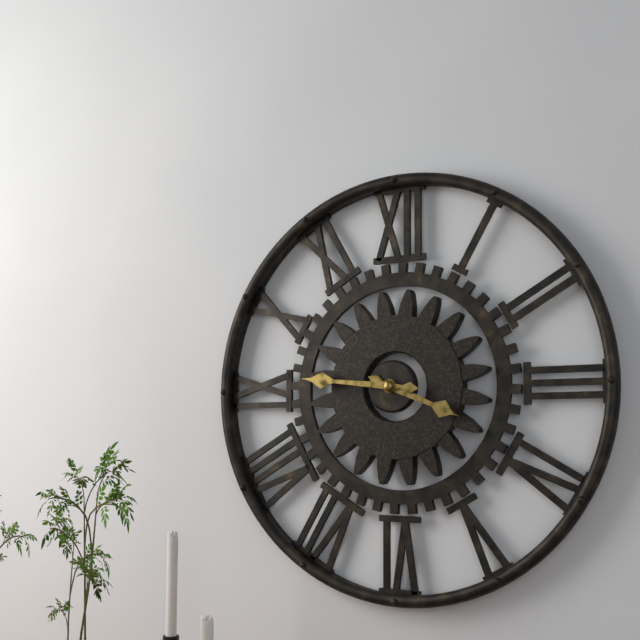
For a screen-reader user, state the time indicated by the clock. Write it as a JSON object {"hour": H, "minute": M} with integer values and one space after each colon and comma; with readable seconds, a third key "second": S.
{"hour": 3, "minute": 46}
